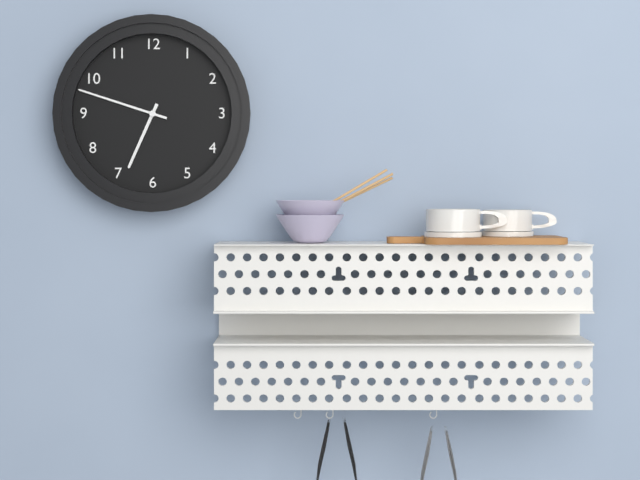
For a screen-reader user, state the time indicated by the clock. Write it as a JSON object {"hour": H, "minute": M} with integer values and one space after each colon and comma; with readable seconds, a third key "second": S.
{"hour": 6, "minute": 48}
